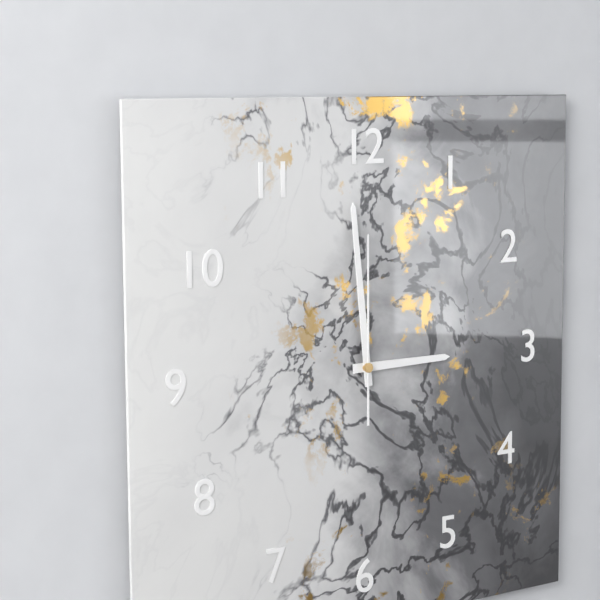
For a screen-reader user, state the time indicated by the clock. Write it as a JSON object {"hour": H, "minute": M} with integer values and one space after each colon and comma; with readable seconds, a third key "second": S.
{"hour": 2, "minute": 59, "second": 0}
